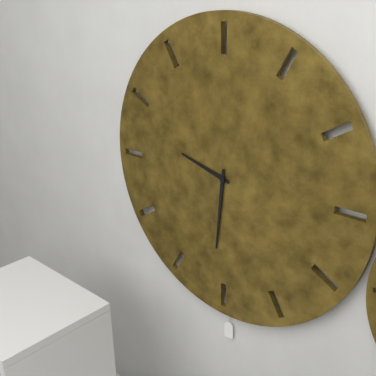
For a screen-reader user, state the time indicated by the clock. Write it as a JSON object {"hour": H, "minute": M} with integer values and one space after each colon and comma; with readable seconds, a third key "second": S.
{"hour": 9, "minute": 31}
